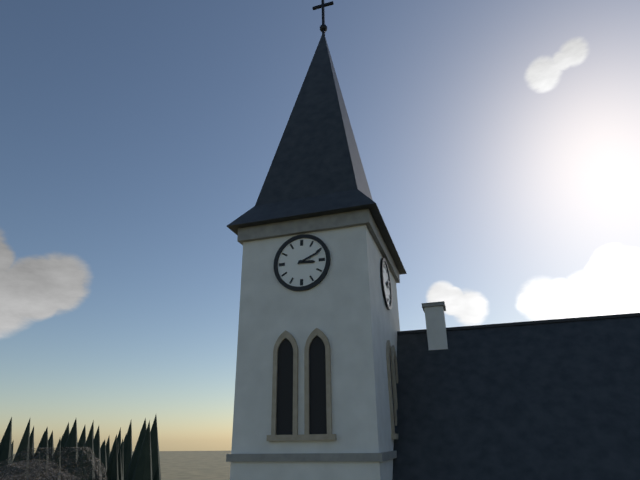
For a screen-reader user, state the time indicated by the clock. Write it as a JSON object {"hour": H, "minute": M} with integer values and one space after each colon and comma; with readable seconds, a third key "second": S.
{"hour": 3, "minute": 11}
